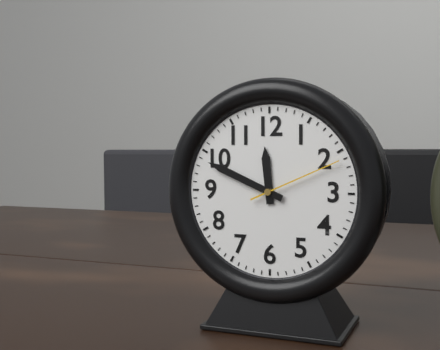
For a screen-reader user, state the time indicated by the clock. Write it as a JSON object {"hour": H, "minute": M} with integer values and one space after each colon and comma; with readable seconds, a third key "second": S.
{"hour": 11, "minute": 49, "second": 11}
